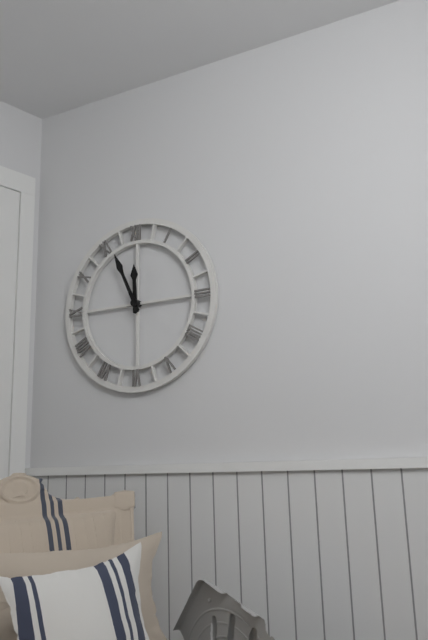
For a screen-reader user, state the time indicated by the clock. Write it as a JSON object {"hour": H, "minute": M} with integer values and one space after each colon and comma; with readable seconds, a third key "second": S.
{"hour": 11, "minute": 56}
